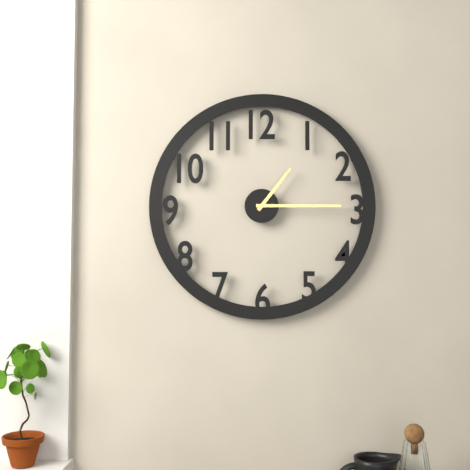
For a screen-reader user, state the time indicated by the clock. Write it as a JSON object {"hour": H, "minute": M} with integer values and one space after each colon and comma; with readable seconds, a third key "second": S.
{"hour": 1, "minute": 15}
